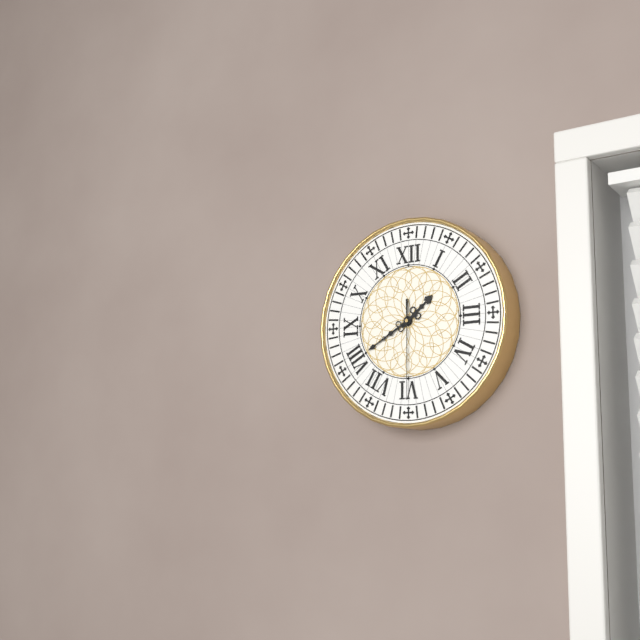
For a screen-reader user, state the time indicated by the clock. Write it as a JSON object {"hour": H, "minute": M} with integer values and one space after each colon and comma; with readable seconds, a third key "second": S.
{"hour": 1, "minute": 40, "second": 30}
